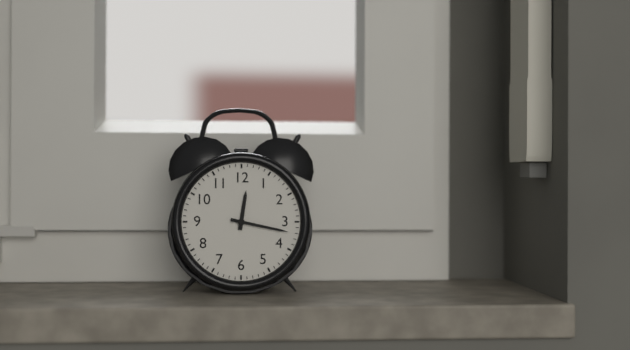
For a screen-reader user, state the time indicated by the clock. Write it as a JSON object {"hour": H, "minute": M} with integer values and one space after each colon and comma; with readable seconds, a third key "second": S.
{"hour": 12, "minute": 17}
